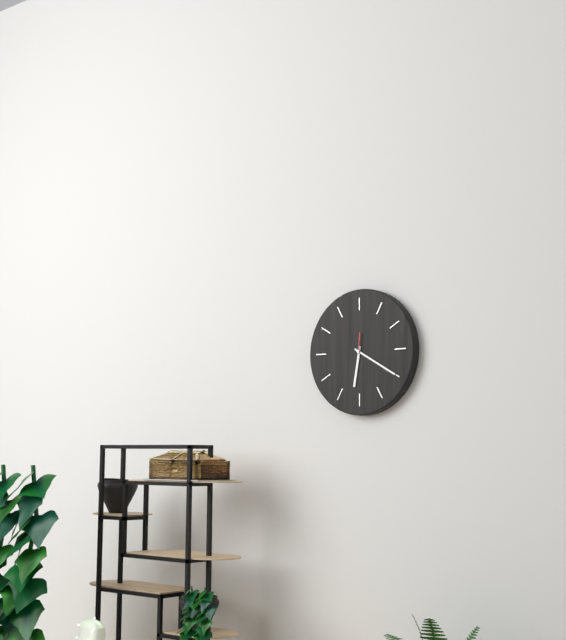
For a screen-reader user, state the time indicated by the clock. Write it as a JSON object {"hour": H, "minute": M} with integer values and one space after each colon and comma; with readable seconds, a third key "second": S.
{"hour": 6, "minute": 20}
